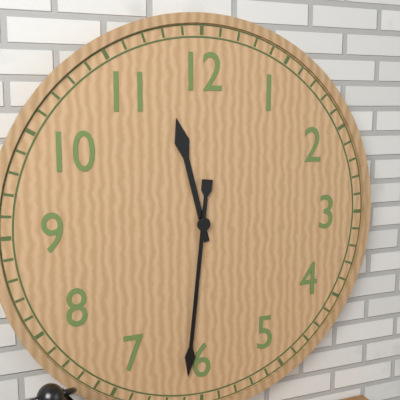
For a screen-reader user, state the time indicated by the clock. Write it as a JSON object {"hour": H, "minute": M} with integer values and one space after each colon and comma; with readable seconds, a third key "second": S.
{"hour": 11, "minute": 31}
